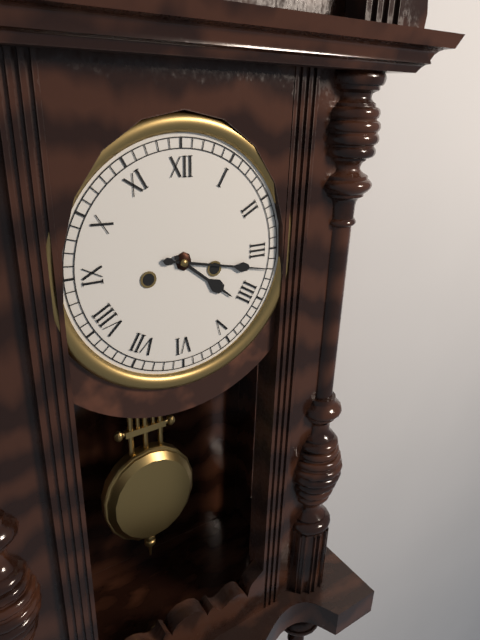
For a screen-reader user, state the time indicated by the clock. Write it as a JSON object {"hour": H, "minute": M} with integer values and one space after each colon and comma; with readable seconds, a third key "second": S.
{"hour": 4, "minute": 17}
